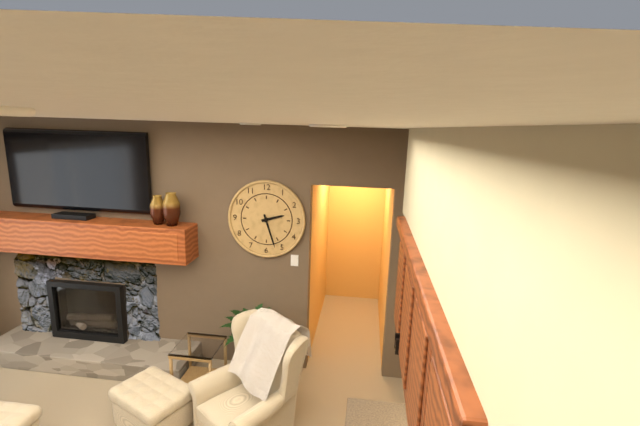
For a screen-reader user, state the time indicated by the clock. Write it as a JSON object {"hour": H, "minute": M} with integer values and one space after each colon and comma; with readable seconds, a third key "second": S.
{"hour": 2, "minute": 27}
